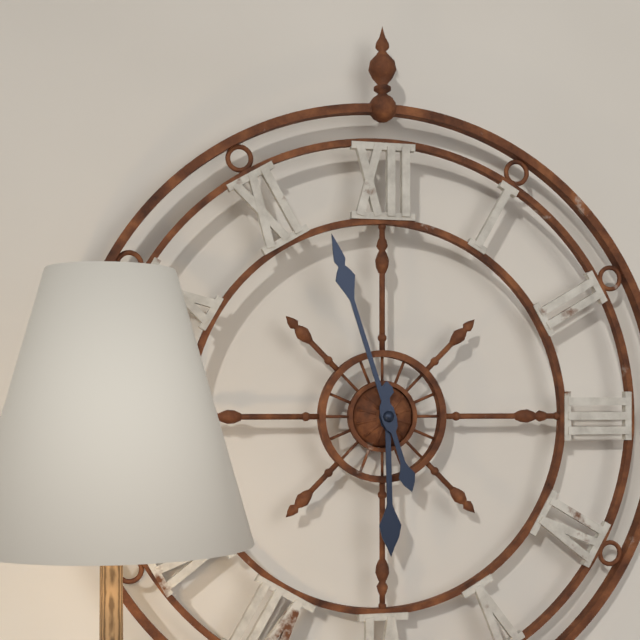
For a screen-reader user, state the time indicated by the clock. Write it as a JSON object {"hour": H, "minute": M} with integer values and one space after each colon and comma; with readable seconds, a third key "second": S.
{"hour": 5, "minute": 57}
